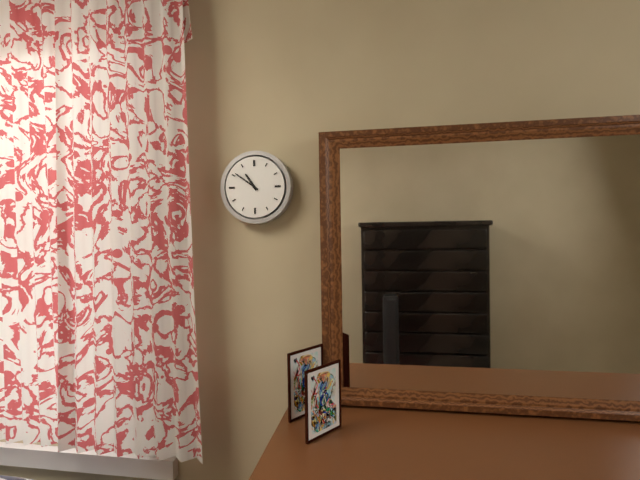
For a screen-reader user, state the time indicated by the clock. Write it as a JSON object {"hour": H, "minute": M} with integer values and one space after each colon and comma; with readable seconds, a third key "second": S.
{"hour": 10, "minute": 51}
